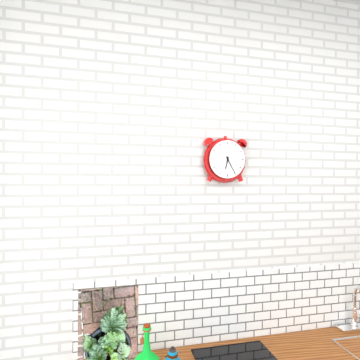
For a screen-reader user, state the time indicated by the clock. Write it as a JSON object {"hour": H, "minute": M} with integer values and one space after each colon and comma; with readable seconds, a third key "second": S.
{"hour": 6, "minute": 25}
